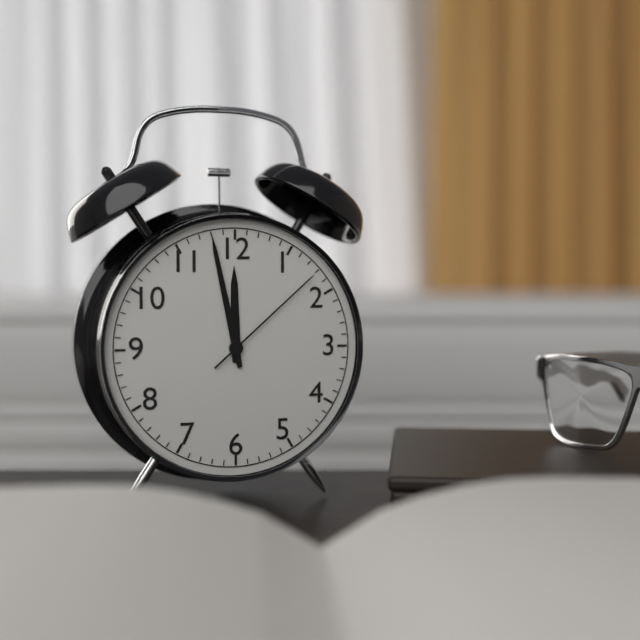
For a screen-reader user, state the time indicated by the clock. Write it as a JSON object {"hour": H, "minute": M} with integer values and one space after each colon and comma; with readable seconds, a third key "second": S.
{"hour": 11, "minute": 58, "second": 8}
